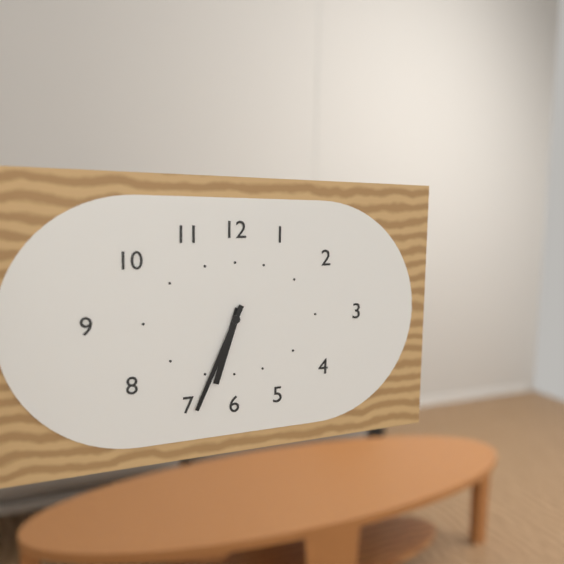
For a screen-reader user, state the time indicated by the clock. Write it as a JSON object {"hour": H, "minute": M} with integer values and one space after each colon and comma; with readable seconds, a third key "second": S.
{"hour": 6, "minute": 34}
